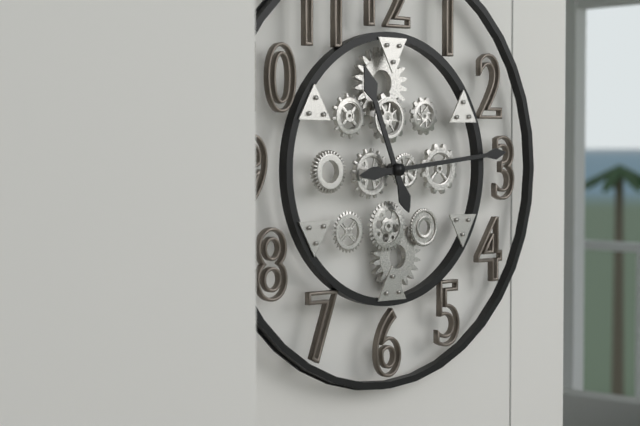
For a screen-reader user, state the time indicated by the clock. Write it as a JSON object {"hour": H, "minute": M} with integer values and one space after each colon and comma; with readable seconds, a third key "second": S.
{"hour": 11, "minute": 14}
